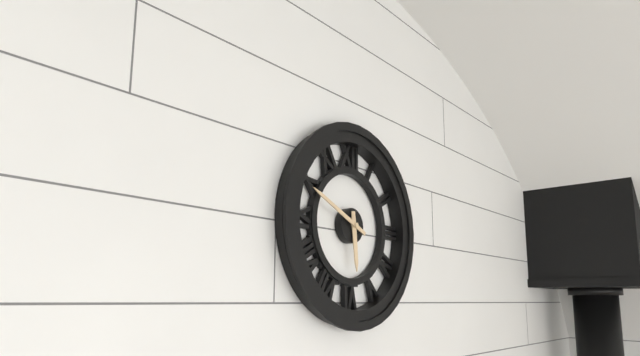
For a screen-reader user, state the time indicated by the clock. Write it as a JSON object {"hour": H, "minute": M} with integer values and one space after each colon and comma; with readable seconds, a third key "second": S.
{"hour": 5, "minute": 49}
